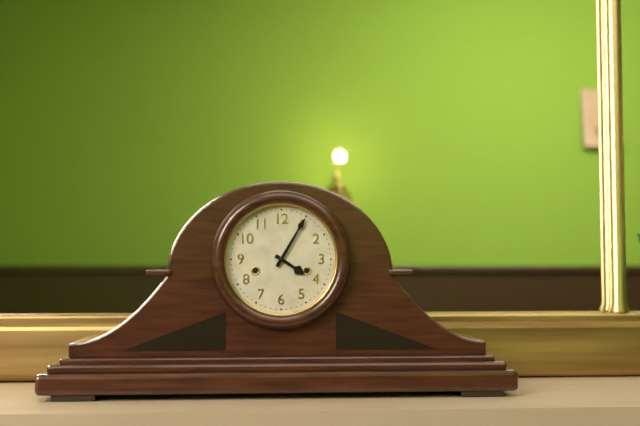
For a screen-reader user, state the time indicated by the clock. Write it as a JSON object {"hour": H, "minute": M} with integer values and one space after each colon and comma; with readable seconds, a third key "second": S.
{"hour": 4, "minute": 5}
